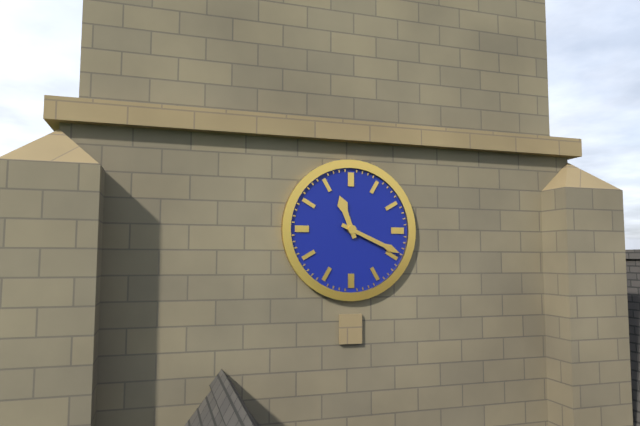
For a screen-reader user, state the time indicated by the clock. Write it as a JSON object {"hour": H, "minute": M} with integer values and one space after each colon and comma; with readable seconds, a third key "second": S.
{"hour": 11, "minute": 19}
